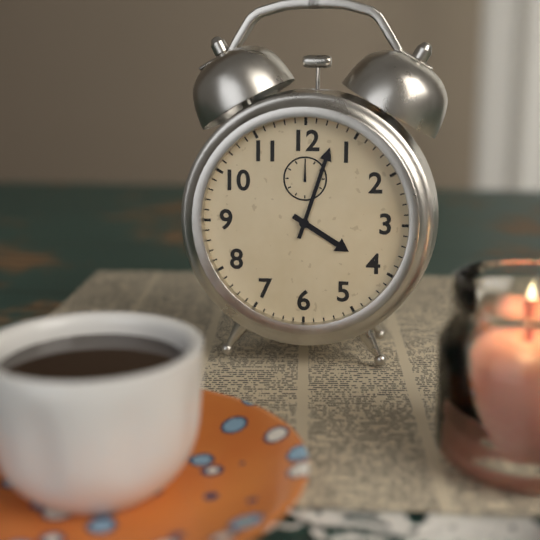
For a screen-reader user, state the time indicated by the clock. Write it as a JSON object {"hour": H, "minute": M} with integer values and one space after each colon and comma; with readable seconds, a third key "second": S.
{"hour": 4, "minute": 3}
